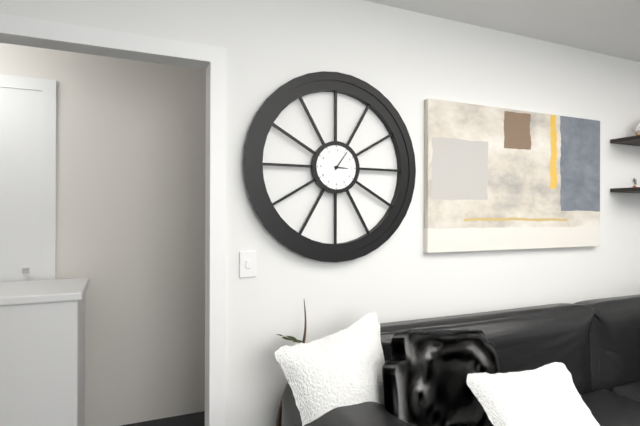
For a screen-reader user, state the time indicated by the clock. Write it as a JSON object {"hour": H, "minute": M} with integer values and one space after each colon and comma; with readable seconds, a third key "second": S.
{"hour": 3, "minute": 6}
